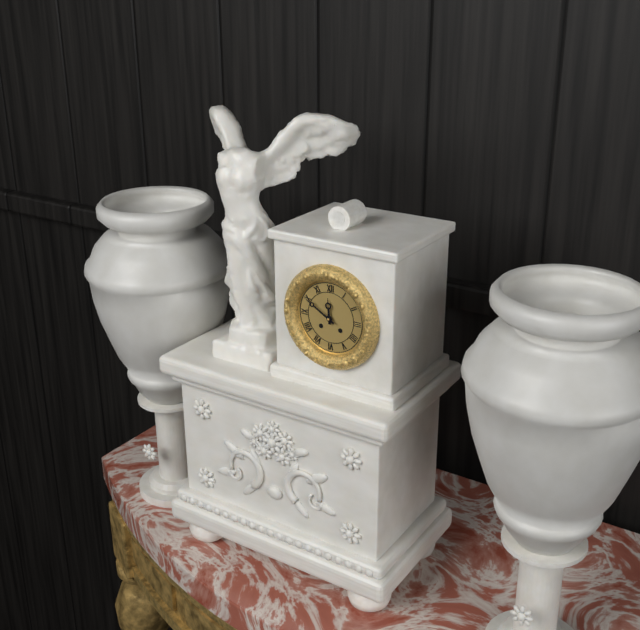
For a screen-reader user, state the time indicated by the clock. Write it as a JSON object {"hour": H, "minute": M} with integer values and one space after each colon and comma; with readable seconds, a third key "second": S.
{"hour": 11, "minute": 50}
